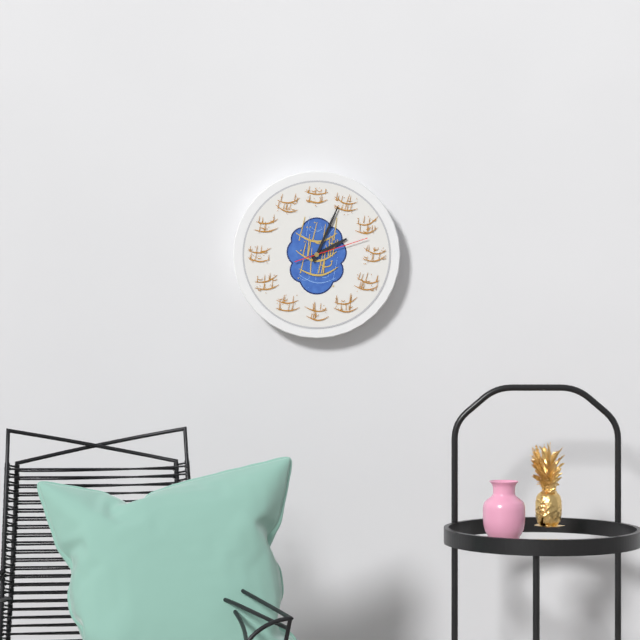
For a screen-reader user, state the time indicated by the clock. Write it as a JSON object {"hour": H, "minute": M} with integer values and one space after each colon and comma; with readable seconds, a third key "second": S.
{"hour": 2, "minute": 4, "second": 12}
